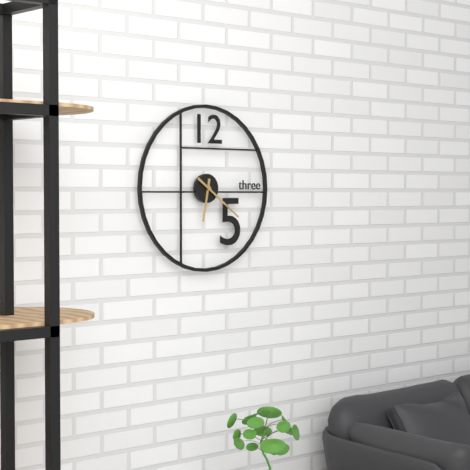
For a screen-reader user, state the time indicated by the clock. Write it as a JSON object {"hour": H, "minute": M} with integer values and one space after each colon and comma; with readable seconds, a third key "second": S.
{"hour": 6, "minute": 21}
